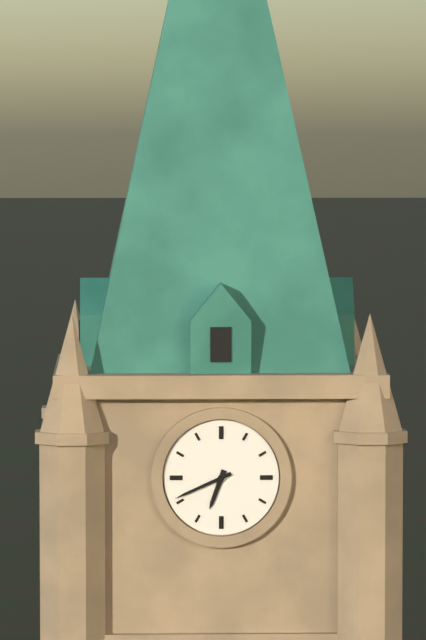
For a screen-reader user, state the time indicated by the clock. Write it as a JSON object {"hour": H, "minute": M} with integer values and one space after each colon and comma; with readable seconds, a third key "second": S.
{"hour": 6, "minute": 41}
